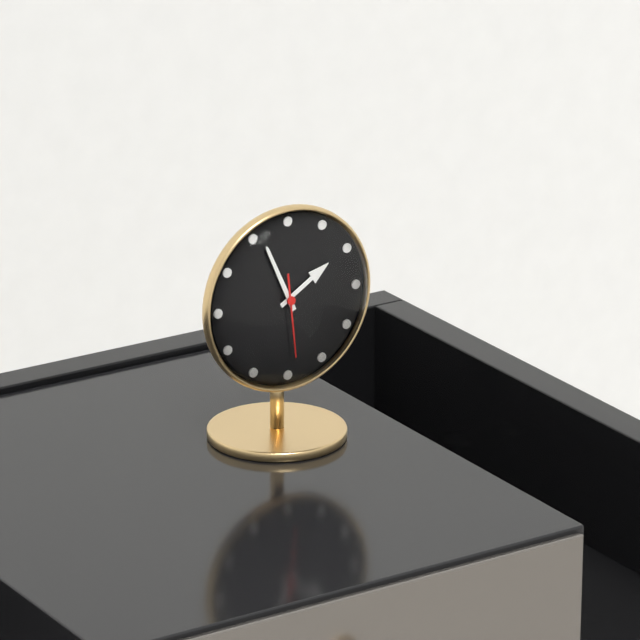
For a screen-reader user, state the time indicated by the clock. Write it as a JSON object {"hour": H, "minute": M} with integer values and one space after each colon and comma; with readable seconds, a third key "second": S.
{"hour": 1, "minute": 56, "second": 29}
